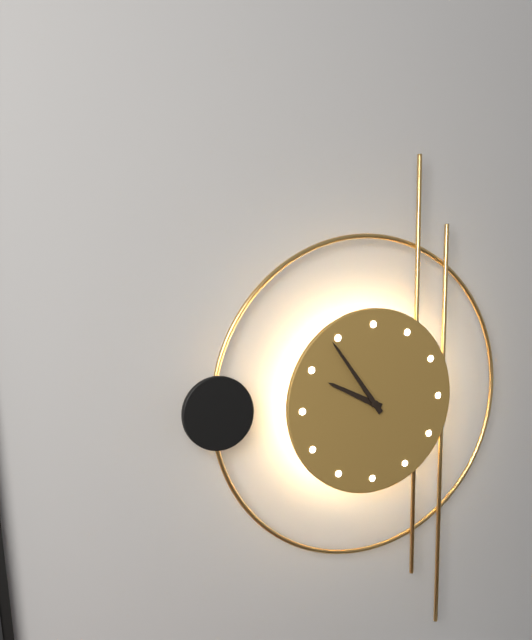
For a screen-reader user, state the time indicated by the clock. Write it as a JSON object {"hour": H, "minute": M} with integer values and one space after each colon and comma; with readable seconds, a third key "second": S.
{"hour": 9, "minute": 54}
